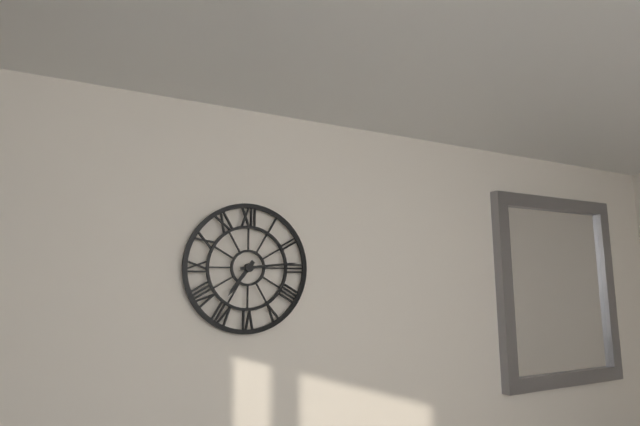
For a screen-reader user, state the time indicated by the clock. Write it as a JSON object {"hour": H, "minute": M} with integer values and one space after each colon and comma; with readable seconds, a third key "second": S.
{"hour": 7, "minute": 14}
